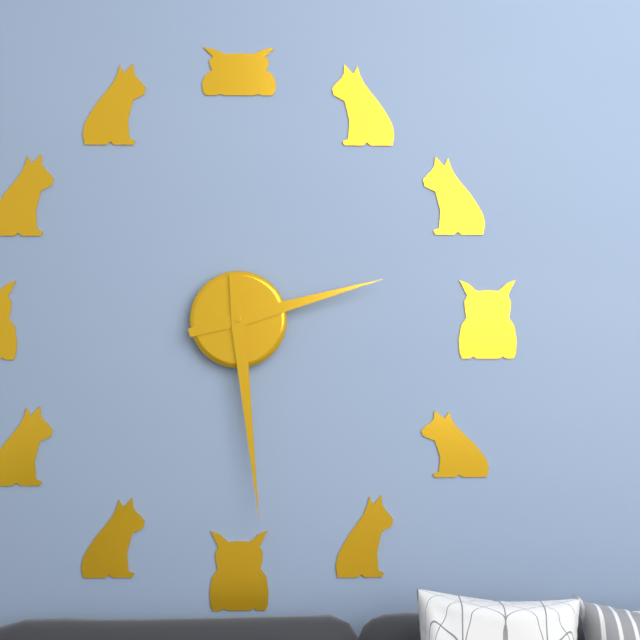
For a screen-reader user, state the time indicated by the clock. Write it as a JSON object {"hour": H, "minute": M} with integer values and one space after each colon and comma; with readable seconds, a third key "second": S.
{"hour": 2, "minute": 29}
